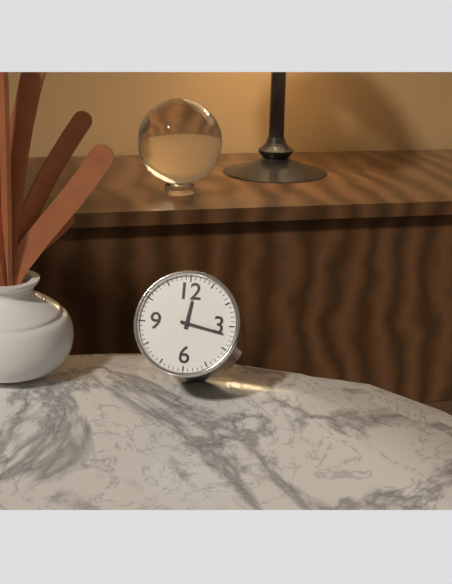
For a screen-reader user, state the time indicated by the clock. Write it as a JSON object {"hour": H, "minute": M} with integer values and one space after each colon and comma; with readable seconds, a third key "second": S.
{"hour": 12, "minute": 17}
